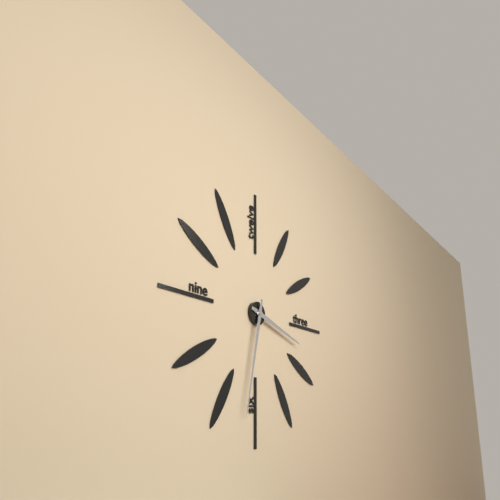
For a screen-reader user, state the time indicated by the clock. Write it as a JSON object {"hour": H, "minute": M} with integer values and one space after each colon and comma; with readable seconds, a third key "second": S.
{"hour": 3, "minute": 32}
